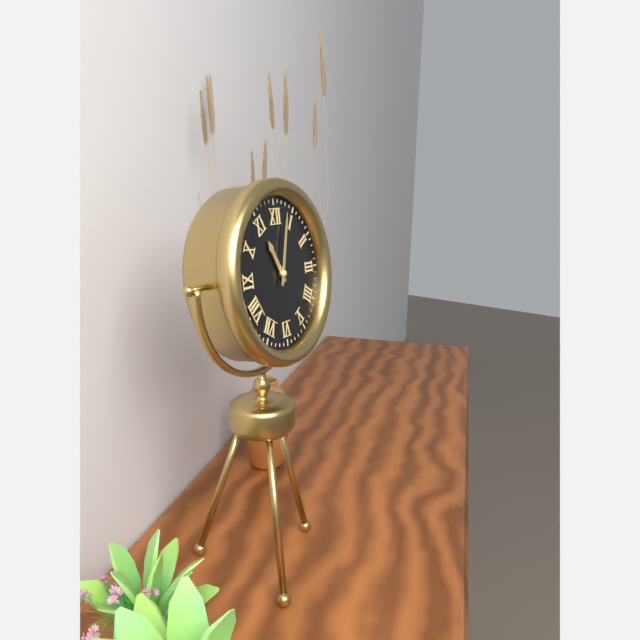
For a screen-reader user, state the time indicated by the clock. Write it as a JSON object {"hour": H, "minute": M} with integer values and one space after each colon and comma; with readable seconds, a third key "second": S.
{"hour": 11, "minute": 3}
